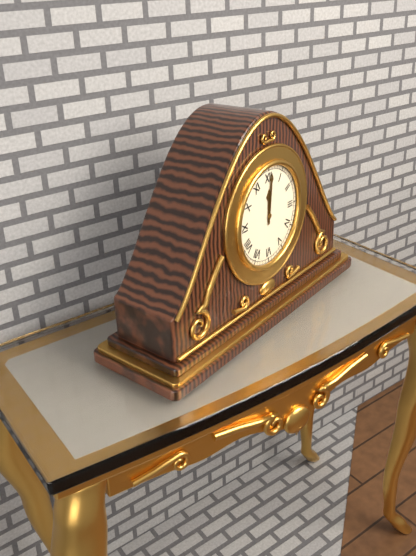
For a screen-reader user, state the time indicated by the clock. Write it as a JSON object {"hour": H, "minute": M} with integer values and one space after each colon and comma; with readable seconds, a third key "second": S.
{"hour": 12, "minute": 1}
